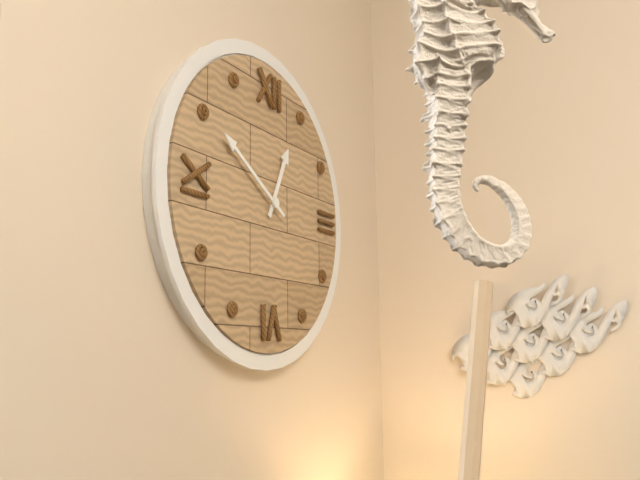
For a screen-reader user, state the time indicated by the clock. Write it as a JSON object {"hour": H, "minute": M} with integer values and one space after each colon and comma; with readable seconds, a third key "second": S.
{"hour": 12, "minute": 50}
